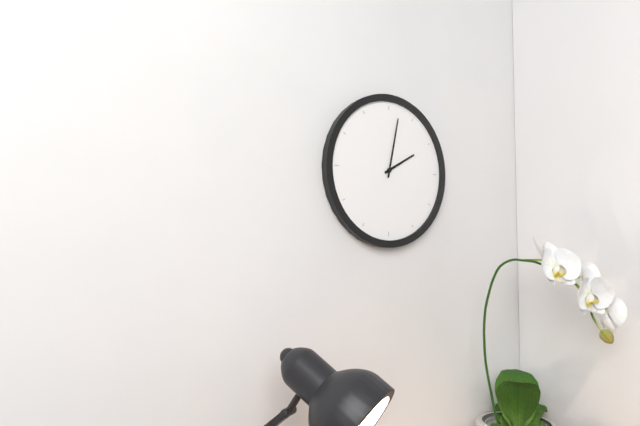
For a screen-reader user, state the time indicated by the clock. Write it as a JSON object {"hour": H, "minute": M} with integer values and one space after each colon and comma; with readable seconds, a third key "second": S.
{"hour": 2, "minute": 2}
